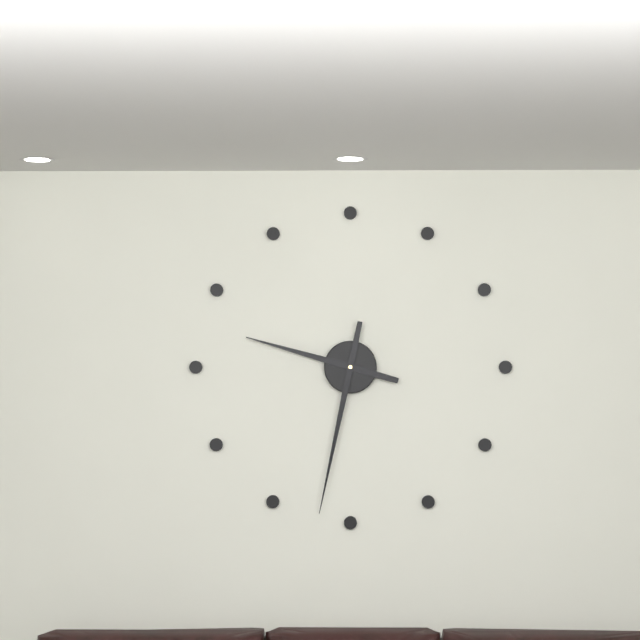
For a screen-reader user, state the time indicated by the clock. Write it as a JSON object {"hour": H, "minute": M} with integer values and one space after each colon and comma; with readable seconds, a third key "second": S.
{"hour": 9, "minute": 32}
